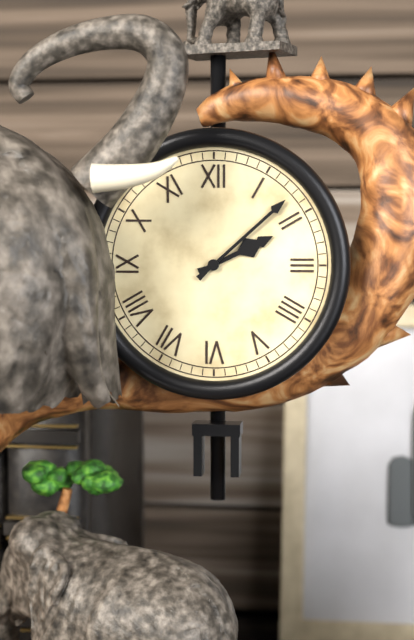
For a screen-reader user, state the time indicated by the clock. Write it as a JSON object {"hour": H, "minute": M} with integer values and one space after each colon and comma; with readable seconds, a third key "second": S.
{"hour": 2, "minute": 8}
